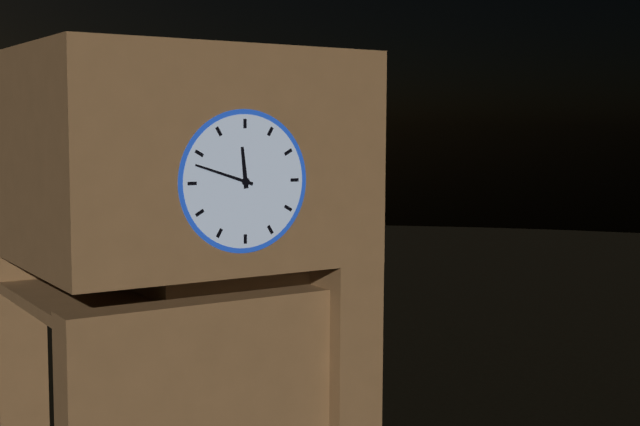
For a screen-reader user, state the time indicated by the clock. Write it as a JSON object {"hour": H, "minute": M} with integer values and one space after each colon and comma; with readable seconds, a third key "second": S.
{"hour": 11, "minute": 48}
